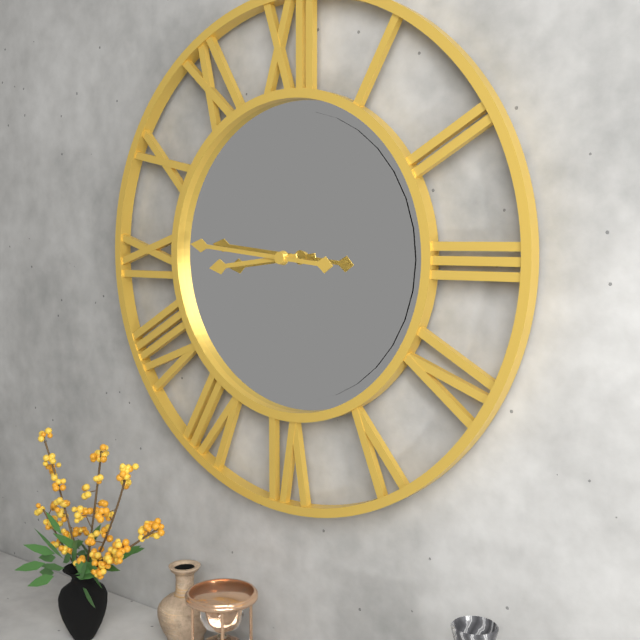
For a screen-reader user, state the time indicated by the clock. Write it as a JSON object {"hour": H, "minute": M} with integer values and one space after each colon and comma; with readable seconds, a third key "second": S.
{"hour": 8, "minute": 46}
